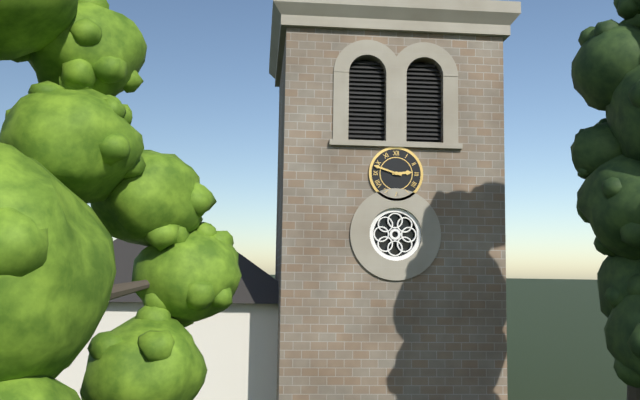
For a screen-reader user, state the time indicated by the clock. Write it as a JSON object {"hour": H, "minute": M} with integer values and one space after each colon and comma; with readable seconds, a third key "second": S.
{"hour": 2, "minute": 48}
